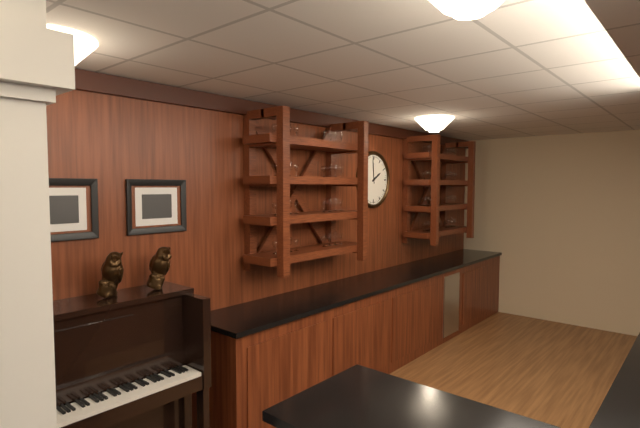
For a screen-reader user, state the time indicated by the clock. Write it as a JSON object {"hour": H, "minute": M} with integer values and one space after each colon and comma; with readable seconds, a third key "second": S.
{"hour": 1, "minute": 59}
